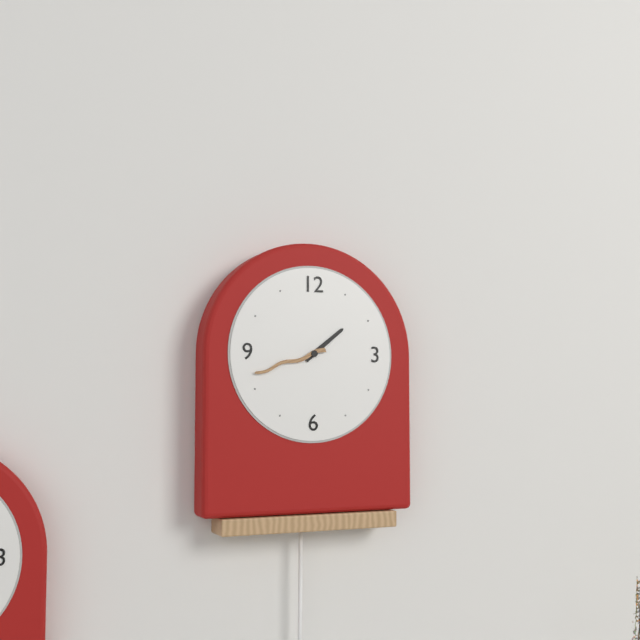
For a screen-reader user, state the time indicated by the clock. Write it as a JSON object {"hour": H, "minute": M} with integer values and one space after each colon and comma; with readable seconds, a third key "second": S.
{"hour": 1, "minute": 42}
